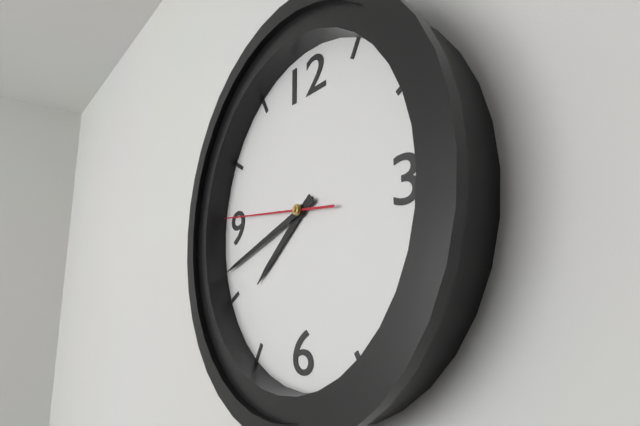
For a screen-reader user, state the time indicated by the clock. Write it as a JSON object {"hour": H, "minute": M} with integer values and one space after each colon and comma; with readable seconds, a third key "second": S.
{"hour": 7, "minute": 42, "second": 46}
